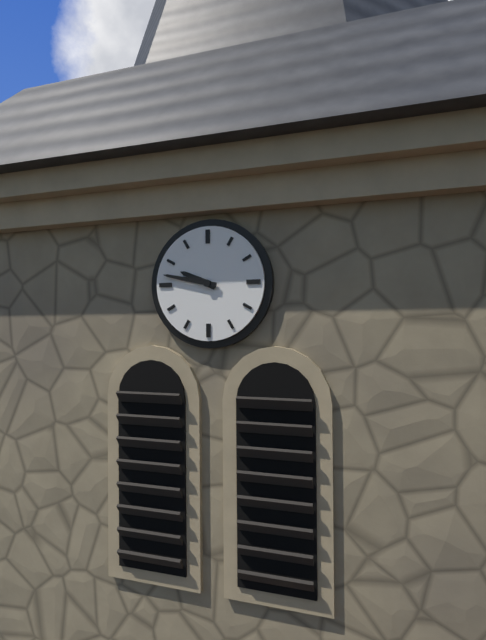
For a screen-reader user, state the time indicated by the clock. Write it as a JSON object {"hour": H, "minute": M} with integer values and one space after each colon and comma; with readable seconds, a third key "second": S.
{"hour": 9, "minute": 47}
